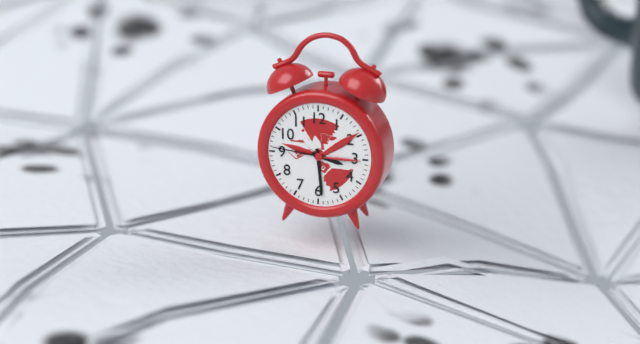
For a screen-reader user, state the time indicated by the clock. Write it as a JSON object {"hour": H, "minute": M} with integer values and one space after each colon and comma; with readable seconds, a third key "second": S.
{"hour": 3, "minute": 29, "second": 46}
